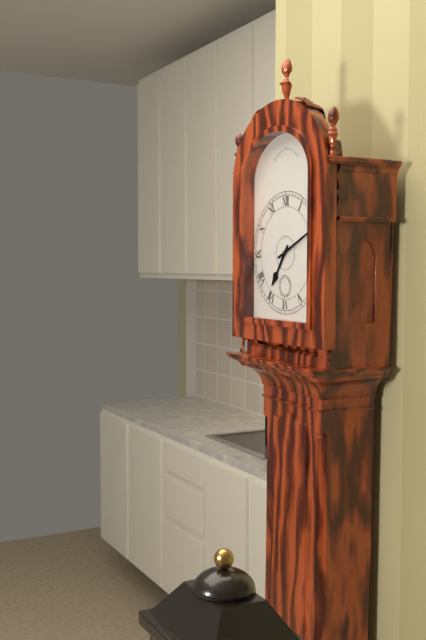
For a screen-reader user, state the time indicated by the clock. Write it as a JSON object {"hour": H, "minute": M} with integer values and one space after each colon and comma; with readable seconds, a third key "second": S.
{"hour": 7, "minute": 11}
